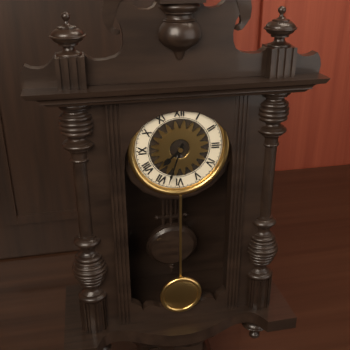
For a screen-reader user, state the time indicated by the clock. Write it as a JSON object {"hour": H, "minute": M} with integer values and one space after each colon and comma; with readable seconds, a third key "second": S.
{"hour": 7, "minute": 33}
